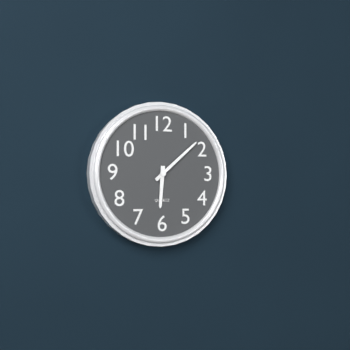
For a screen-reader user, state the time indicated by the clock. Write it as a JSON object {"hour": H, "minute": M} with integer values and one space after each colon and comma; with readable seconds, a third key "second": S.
{"hour": 6, "minute": 8}
